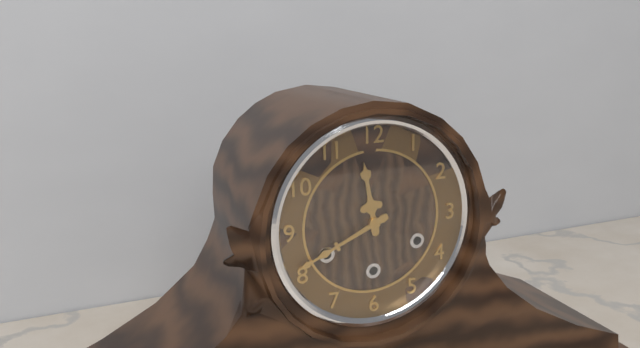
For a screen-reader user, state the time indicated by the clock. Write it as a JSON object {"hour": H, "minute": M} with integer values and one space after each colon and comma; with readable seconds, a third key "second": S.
{"hour": 11, "minute": 41}
